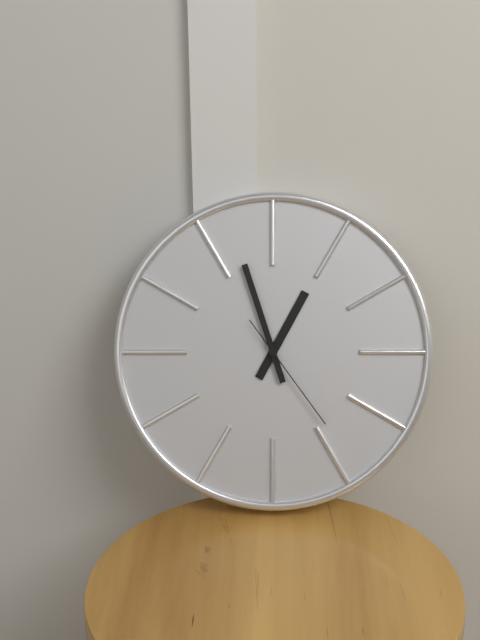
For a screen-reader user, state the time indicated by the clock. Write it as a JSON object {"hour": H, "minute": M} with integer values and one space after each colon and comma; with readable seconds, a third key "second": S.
{"hour": 12, "minute": 57, "second": 24}
